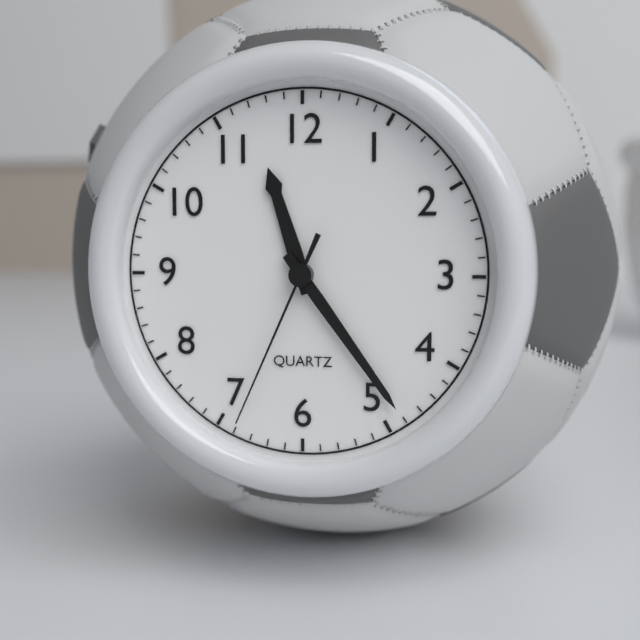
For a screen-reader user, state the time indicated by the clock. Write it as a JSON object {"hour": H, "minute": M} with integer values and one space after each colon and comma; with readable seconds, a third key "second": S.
{"hour": 11, "minute": 24, "second": 34}
